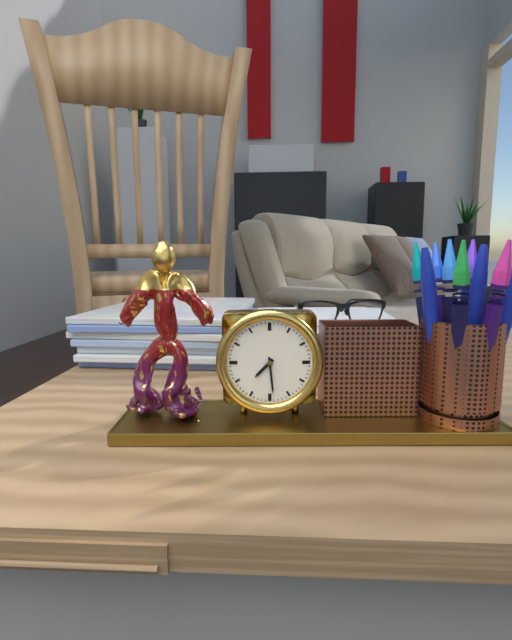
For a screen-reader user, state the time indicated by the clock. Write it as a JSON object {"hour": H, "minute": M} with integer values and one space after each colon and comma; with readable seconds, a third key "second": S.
{"hour": 7, "minute": 29}
